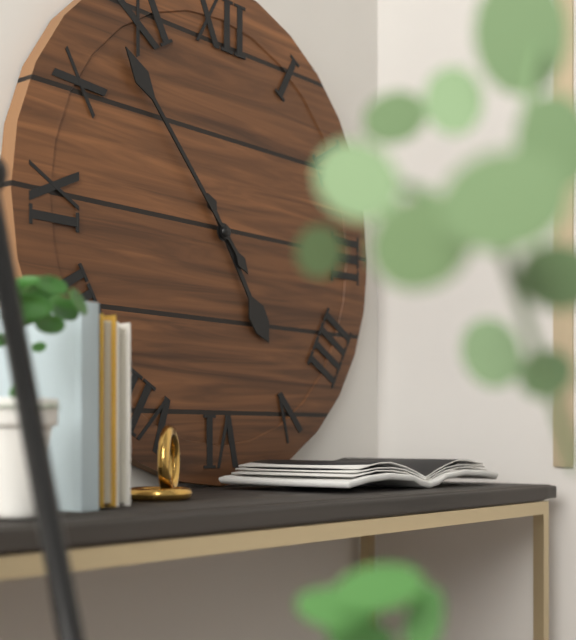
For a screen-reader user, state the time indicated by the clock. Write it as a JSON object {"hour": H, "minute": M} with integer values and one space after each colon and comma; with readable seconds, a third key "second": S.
{"hour": 4, "minute": 53}
